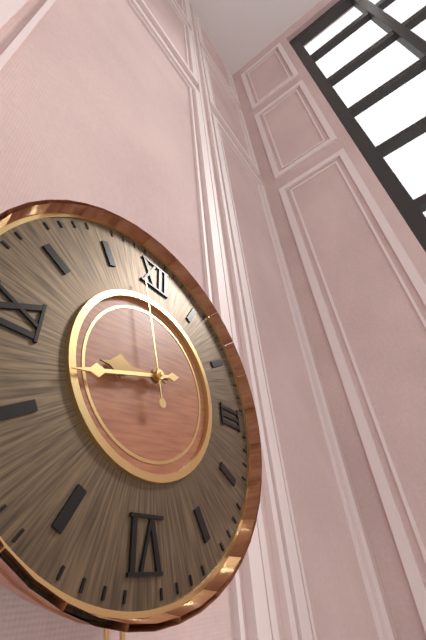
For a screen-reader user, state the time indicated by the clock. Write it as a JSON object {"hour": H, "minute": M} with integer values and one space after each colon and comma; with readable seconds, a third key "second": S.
{"hour": 8, "minute": 42, "second": 58}
